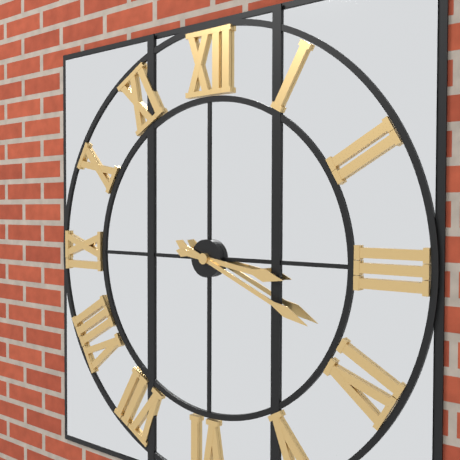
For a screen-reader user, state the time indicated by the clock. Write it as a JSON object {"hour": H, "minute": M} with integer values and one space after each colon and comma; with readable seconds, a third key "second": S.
{"hour": 3, "minute": 19}
